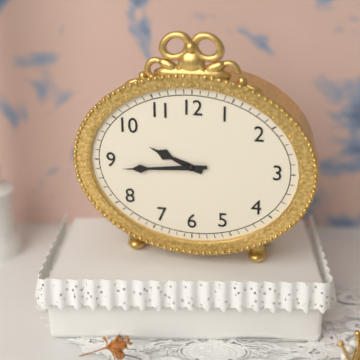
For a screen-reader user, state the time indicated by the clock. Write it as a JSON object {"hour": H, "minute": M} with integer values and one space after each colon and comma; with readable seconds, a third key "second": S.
{"hour": 9, "minute": 44}
